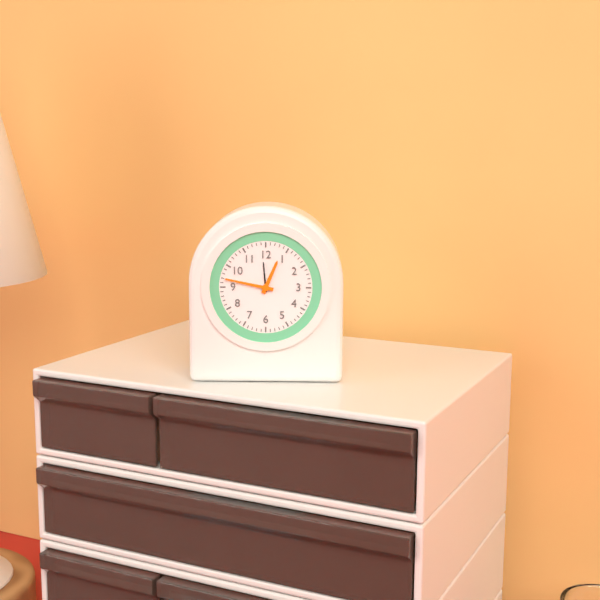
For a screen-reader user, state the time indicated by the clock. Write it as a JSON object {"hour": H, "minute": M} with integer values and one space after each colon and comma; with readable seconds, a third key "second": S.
{"hour": 12, "minute": 47}
